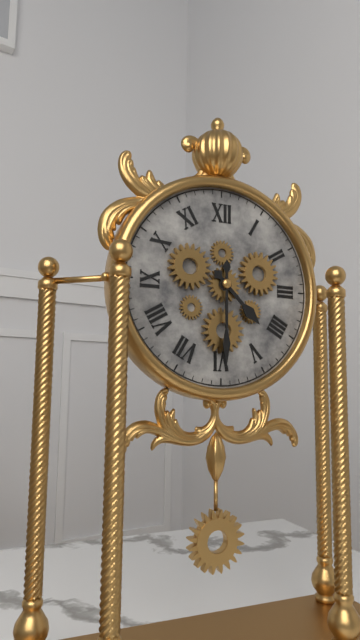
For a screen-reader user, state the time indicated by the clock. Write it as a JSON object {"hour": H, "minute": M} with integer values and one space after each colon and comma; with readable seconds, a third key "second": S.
{"hour": 4, "minute": 30}
